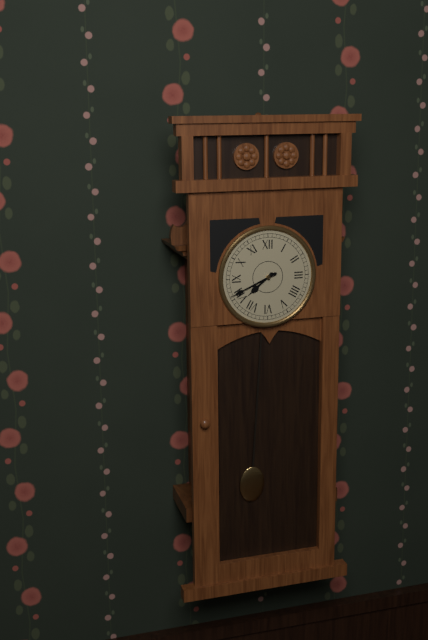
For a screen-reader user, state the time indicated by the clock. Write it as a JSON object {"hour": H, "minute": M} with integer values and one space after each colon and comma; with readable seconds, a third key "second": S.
{"hour": 7, "minute": 41}
